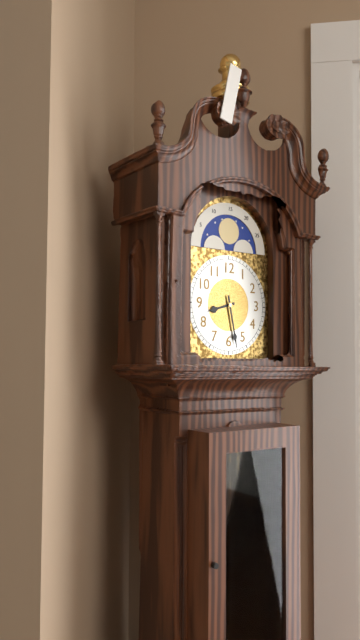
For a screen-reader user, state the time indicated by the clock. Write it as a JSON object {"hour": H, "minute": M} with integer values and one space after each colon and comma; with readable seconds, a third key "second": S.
{"hour": 8, "minute": 28}
